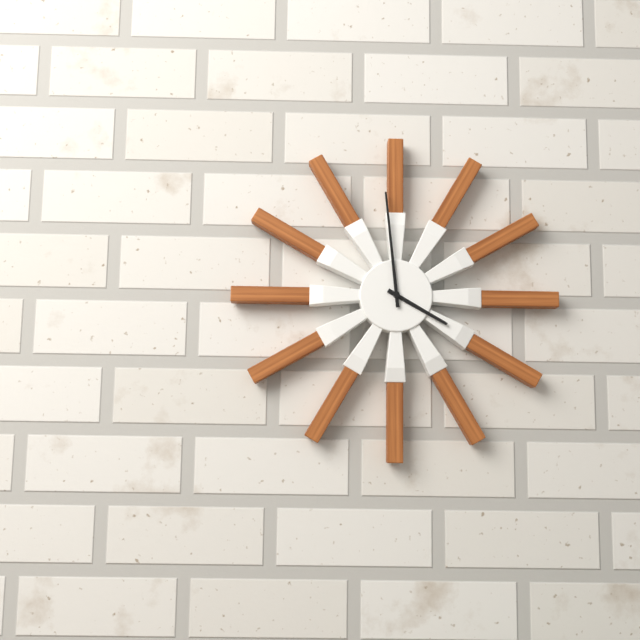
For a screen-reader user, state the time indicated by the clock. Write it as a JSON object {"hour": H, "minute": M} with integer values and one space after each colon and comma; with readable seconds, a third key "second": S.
{"hour": 3, "minute": 59}
